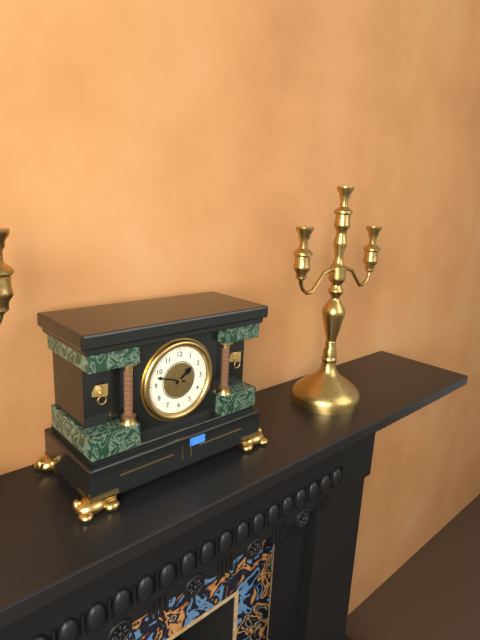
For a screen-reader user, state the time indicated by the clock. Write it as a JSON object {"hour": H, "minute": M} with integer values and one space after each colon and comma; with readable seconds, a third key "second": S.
{"hour": 1, "minute": 48}
